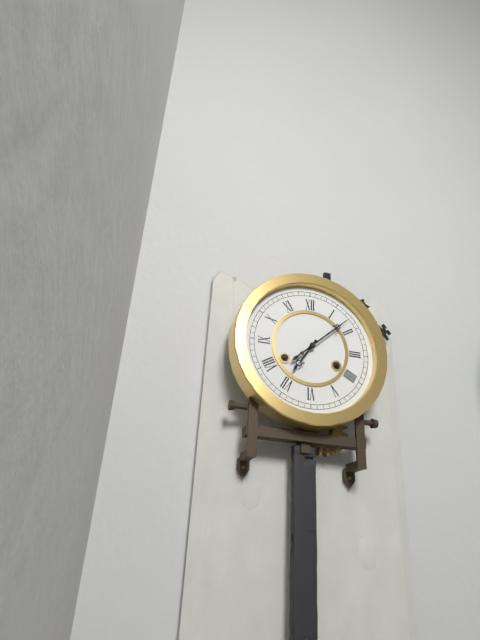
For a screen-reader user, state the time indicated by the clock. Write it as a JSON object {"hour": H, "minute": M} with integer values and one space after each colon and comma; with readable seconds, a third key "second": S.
{"hour": 7, "minute": 8}
